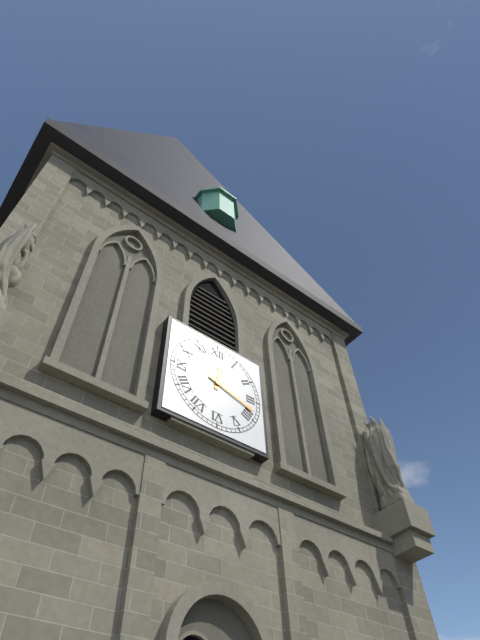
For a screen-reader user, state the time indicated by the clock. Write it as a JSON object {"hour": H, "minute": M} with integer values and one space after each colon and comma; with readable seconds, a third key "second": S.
{"hour": 12, "minute": 18}
